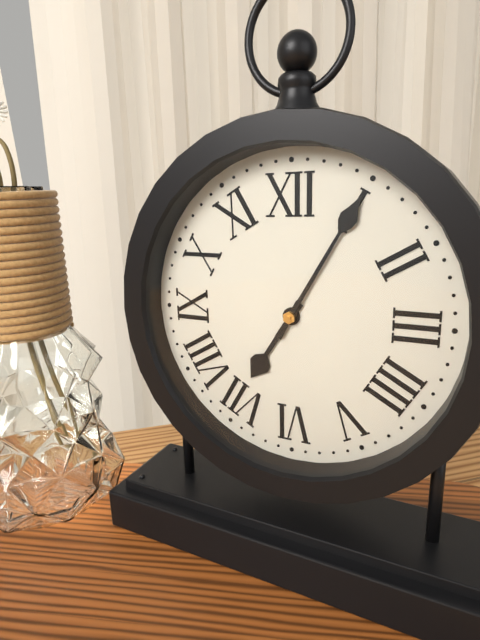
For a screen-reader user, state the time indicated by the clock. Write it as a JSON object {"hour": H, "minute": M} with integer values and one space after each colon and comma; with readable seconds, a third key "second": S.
{"hour": 7, "minute": 5}
